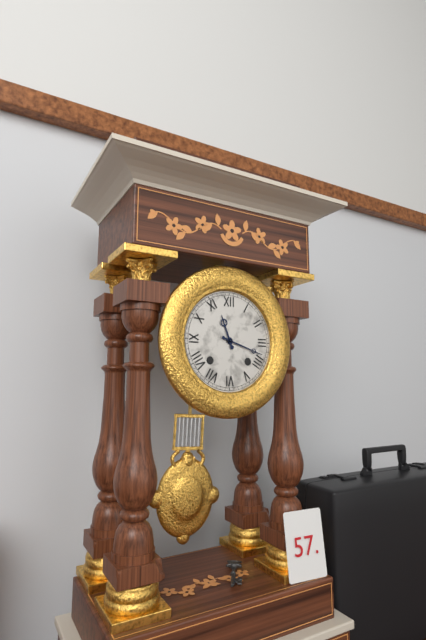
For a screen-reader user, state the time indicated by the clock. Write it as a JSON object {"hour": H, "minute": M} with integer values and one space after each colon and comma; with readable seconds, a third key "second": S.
{"hour": 11, "minute": 18}
